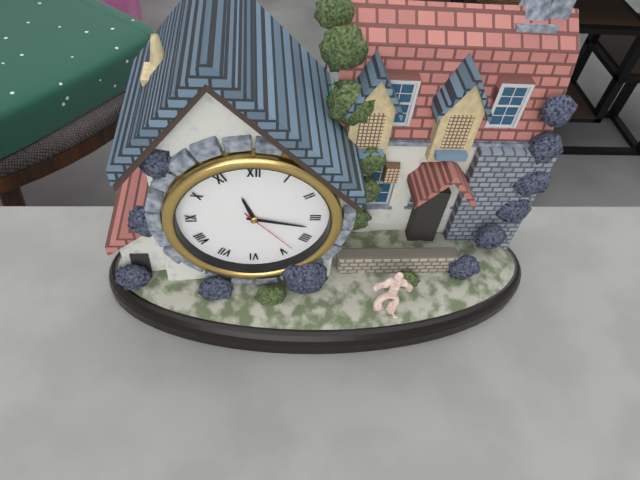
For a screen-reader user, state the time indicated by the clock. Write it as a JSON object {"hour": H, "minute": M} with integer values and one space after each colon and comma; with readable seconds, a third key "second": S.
{"hour": 11, "minute": 17, "second": 23}
